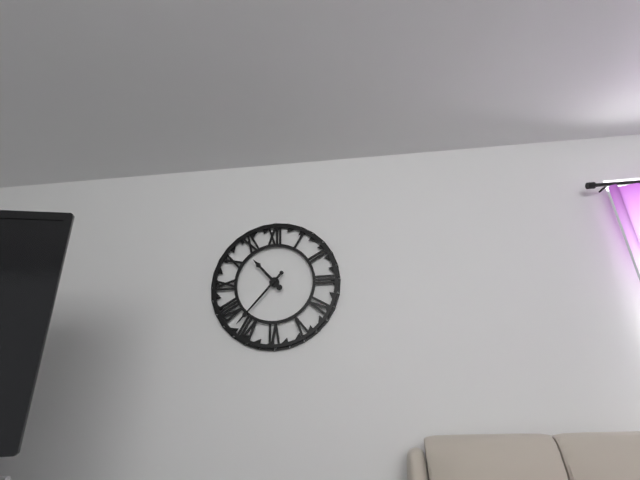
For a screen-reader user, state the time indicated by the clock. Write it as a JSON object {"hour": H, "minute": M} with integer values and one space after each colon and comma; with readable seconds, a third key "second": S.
{"hour": 10, "minute": 37}
